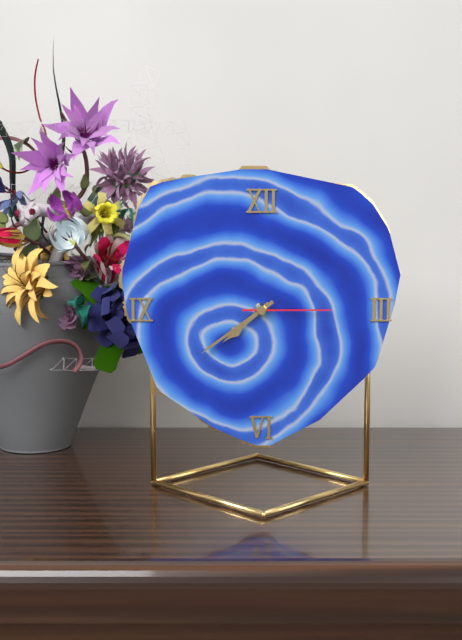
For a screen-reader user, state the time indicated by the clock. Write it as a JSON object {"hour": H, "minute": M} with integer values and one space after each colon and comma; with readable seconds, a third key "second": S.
{"hour": 7, "minute": 39, "second": 15}
